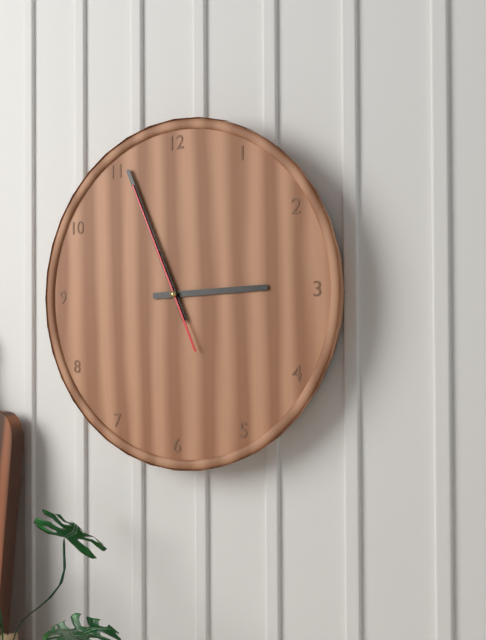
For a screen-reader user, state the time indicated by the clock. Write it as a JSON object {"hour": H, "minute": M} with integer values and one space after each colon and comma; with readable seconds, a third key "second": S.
{"hour": 2, "minute": 56, "second": 56}
